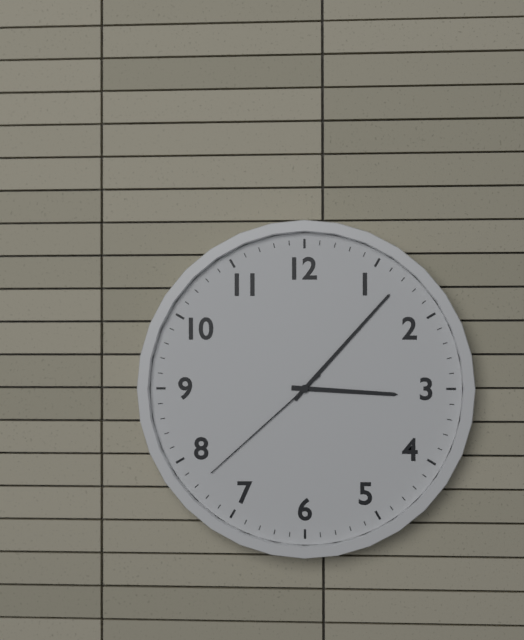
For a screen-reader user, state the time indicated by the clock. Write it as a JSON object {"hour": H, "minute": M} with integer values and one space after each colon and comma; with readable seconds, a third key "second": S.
{"hour": 3, "minute": 7, "second": 38}
